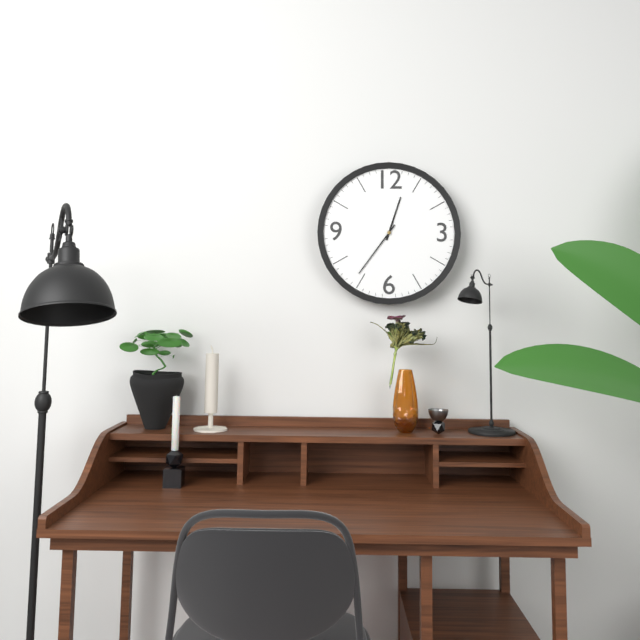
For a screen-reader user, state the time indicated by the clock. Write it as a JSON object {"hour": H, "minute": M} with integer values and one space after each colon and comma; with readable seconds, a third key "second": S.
{"hour": 12, "minute": 36}
